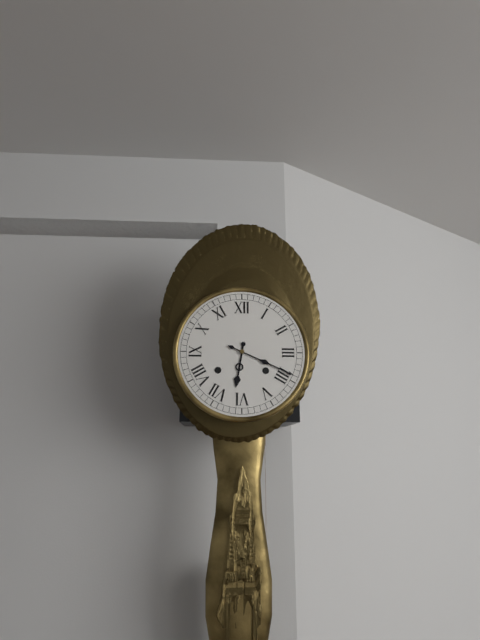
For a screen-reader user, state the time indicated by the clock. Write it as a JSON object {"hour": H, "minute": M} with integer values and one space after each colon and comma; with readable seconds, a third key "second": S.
{"hour": 6, "minute": 19}
